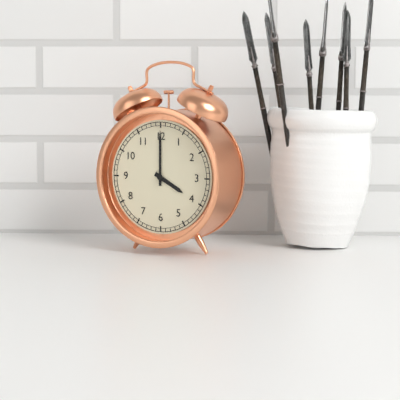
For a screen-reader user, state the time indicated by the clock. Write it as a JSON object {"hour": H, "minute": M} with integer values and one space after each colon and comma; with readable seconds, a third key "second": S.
{"hour": 4, "minute": 0}
